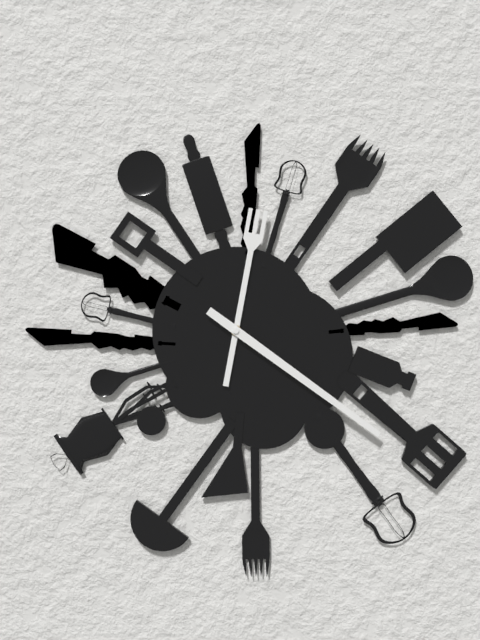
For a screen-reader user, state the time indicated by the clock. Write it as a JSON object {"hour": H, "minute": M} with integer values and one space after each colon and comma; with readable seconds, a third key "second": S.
{"hour": 12, "minute": 21}
